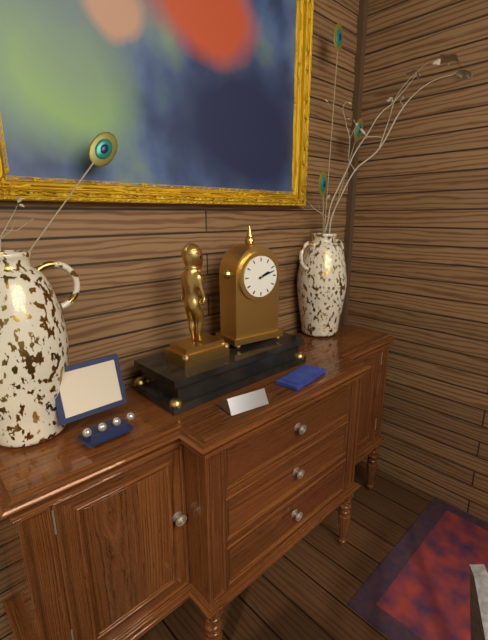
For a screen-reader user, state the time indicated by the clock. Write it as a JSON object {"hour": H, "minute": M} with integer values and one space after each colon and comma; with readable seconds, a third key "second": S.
{"hour": 2, "minute": 12}
